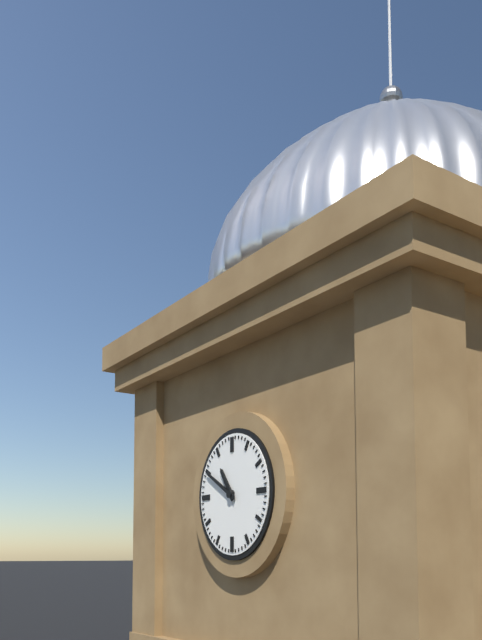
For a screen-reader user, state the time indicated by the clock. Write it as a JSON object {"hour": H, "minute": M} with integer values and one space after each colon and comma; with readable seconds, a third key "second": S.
{"hour": 10, "minute": 50}
